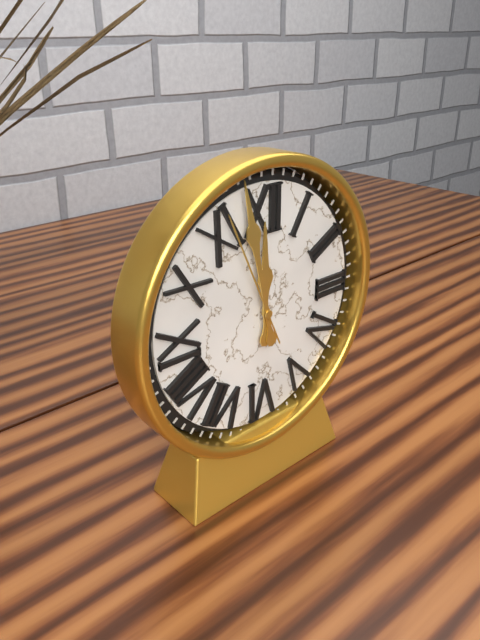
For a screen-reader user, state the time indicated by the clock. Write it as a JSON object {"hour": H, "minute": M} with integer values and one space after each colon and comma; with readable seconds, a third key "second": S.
{"hour": 11, "minute": 58, "second": 56}
